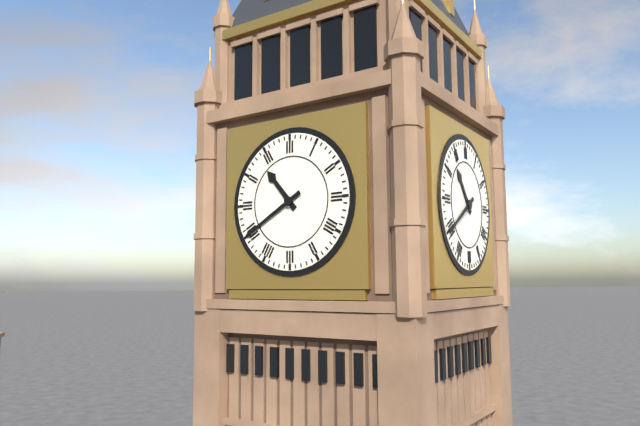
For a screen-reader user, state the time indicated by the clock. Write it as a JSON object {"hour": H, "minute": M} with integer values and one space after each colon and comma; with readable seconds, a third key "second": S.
{"hour": 10, "minute": 40}
